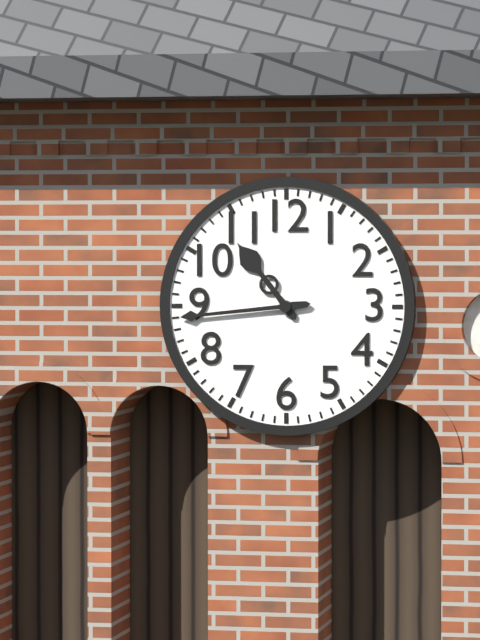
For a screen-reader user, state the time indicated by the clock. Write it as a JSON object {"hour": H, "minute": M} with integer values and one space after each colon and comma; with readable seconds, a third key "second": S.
{"hour": 10, "minute": 44}
